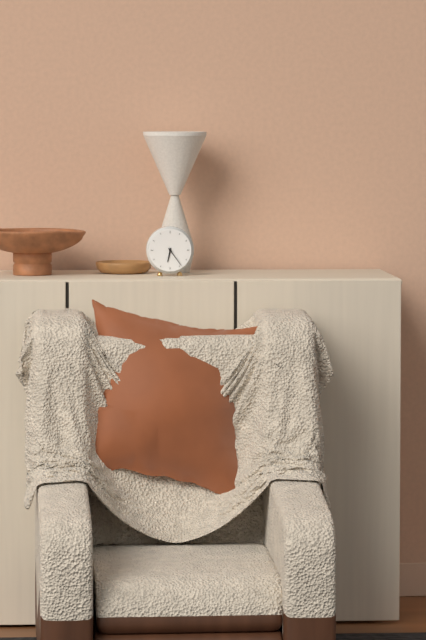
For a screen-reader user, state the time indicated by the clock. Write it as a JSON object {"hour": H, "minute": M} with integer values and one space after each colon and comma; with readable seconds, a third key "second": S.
{"hour": 6, "minute": 24}
